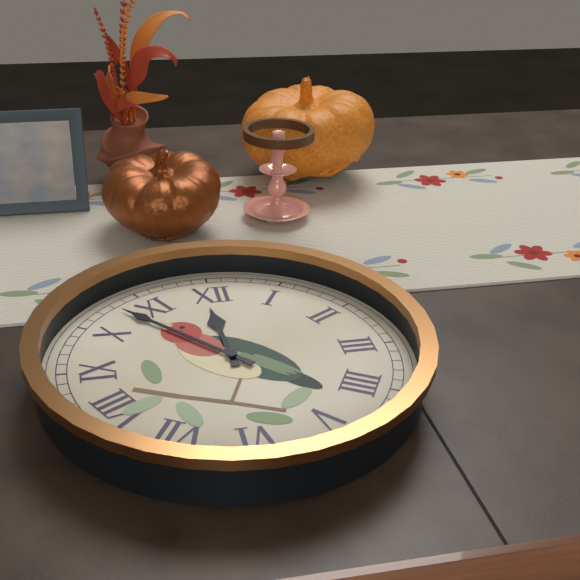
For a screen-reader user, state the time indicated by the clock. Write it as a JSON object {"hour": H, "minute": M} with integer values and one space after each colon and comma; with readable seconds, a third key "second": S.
{"hour": 11, "minute": 53}
